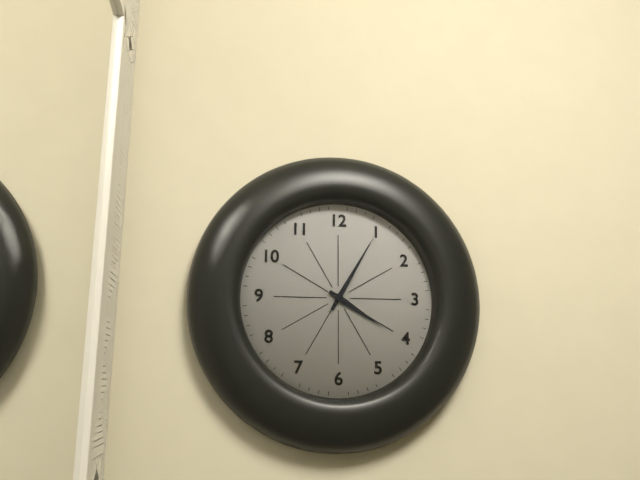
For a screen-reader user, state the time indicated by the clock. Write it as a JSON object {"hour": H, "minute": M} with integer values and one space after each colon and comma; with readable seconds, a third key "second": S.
{"hour": 4, "minute": 5}
